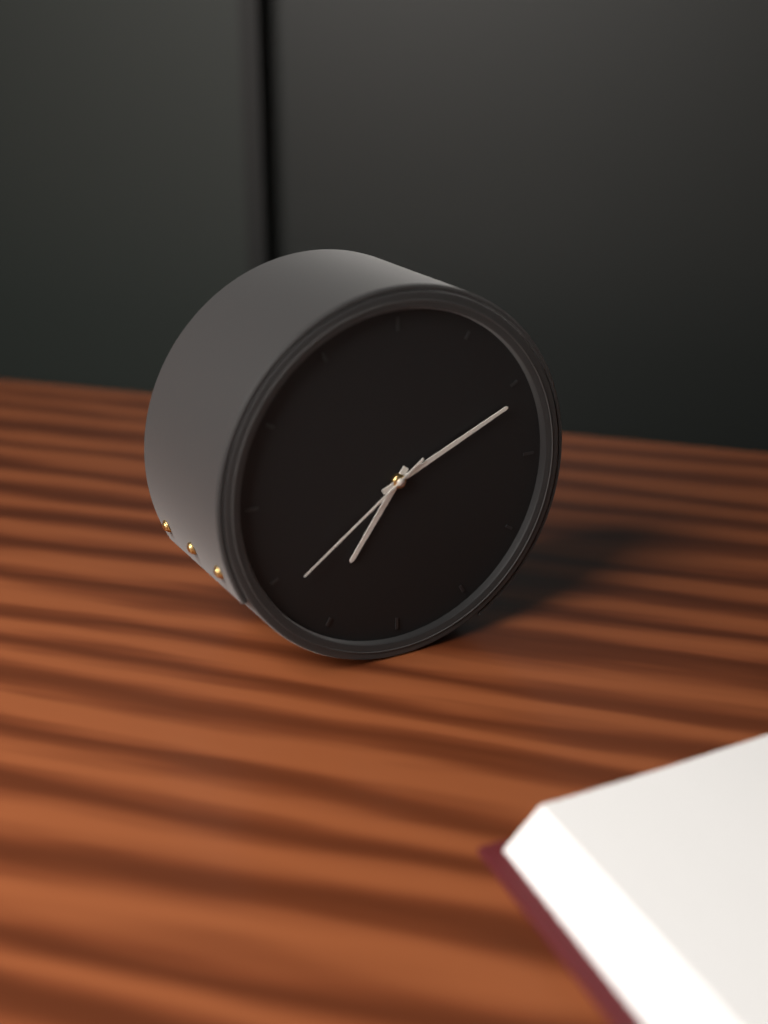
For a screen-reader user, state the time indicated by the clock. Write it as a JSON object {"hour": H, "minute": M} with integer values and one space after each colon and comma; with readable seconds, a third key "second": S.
{"hour": 7, "minute": 11, "second": 39}
